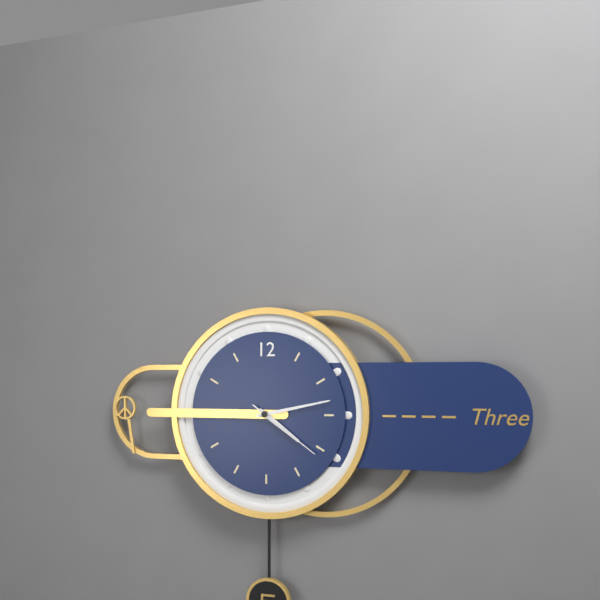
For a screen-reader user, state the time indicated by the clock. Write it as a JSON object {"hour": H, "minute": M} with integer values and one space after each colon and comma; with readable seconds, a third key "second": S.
{"hour": 4, "minute": 13, "second": 21}
